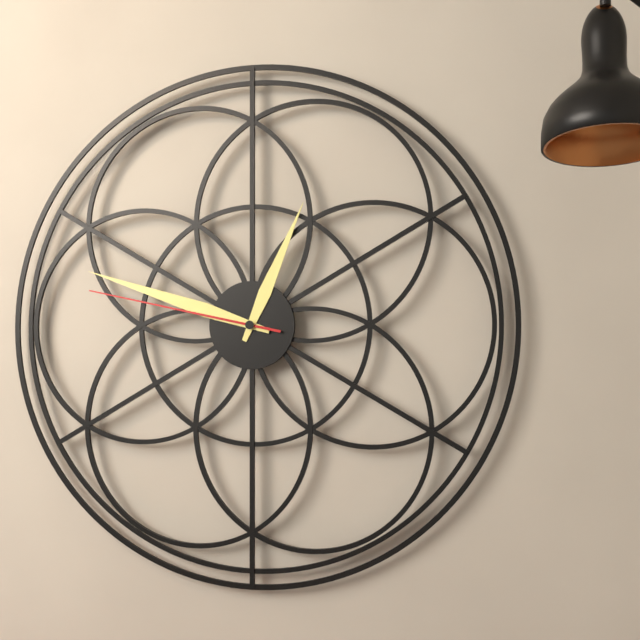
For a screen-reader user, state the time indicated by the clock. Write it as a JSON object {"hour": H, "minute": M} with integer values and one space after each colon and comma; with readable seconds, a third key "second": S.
{"hour": 12, "minute": 48, "second": 47}
